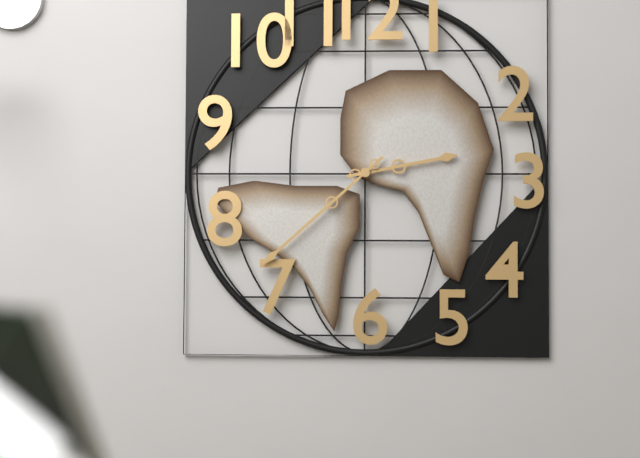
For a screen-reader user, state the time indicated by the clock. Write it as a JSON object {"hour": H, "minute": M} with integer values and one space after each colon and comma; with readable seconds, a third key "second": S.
{"hour": 2, "minute": 38}
